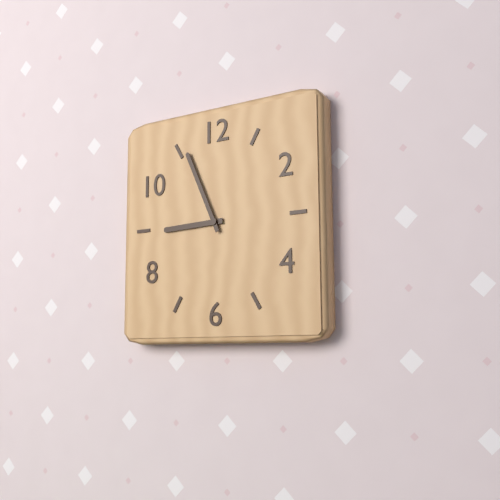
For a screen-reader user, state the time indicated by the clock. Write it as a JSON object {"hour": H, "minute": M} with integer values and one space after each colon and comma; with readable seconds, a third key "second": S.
{"hour": 8, "minute": 56}
